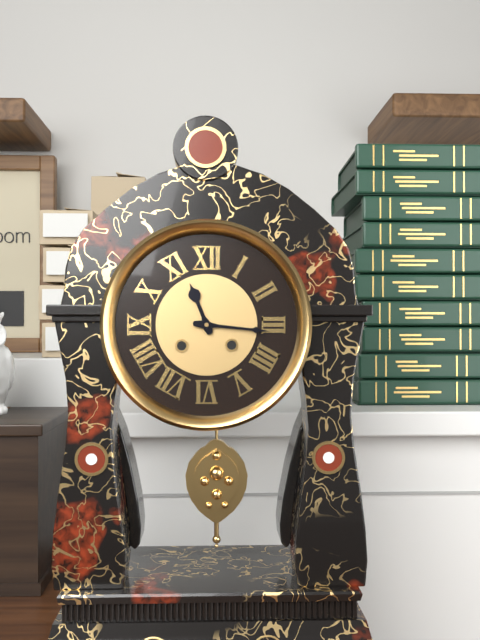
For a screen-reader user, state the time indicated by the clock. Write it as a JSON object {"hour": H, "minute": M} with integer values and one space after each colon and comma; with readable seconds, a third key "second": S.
{"hour": 11, "minute": 16}
